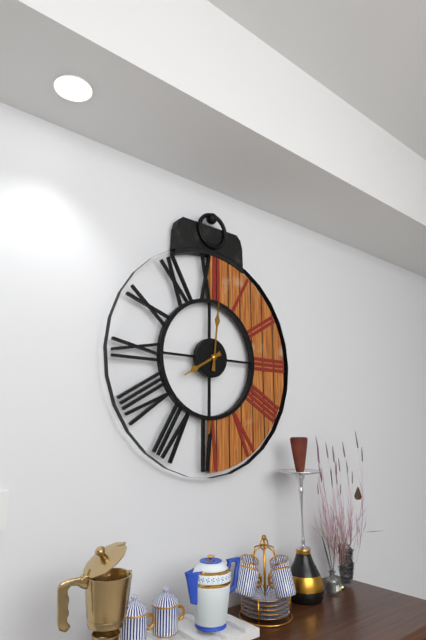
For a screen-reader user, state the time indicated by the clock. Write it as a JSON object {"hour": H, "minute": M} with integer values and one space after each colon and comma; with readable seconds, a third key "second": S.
{"hour": 8, "minute": 1}
